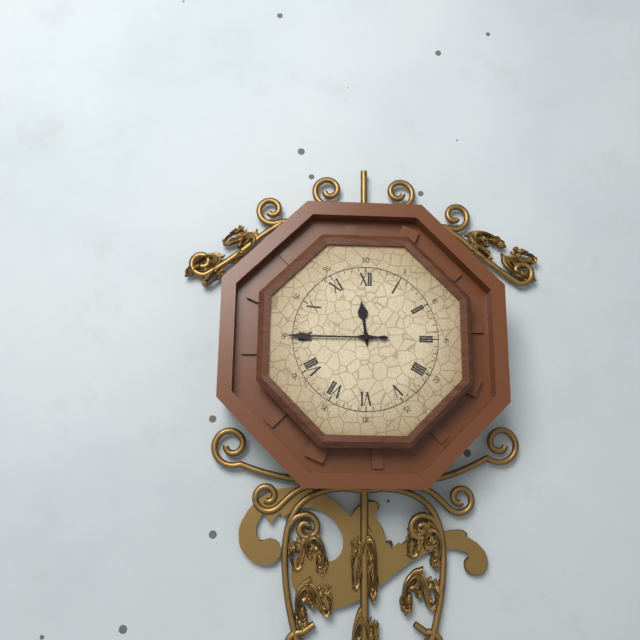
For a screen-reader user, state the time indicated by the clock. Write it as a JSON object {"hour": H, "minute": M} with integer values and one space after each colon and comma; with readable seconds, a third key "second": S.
{"hour": 11, "minute": 45}
